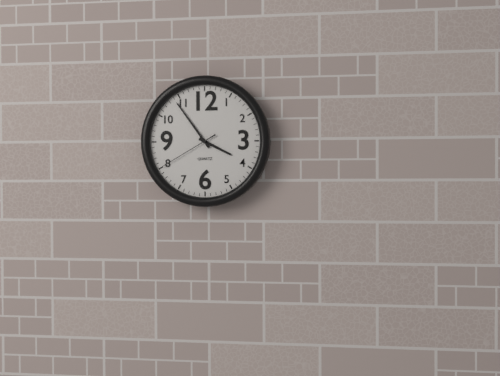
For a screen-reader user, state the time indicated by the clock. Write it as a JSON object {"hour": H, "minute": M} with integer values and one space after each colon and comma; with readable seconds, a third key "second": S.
{"hour": 3, "minute": 54, "second": 40}
